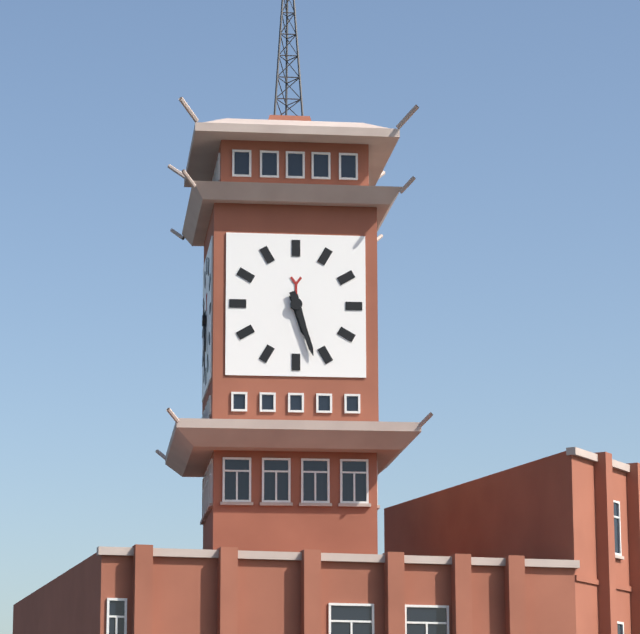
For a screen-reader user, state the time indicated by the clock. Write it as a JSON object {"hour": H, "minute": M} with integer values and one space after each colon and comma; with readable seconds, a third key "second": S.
{"hour": 5, "minute": 27}
